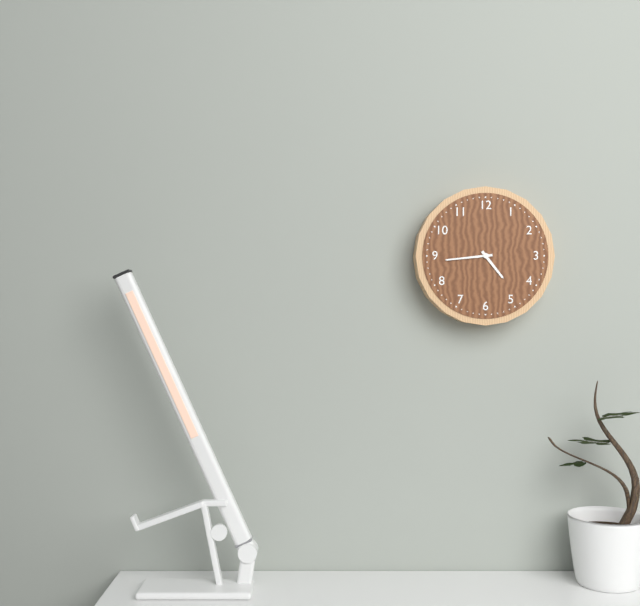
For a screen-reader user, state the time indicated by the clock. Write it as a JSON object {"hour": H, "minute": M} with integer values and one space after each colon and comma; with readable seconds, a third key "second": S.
{"hour": 4, "minute": 44}
